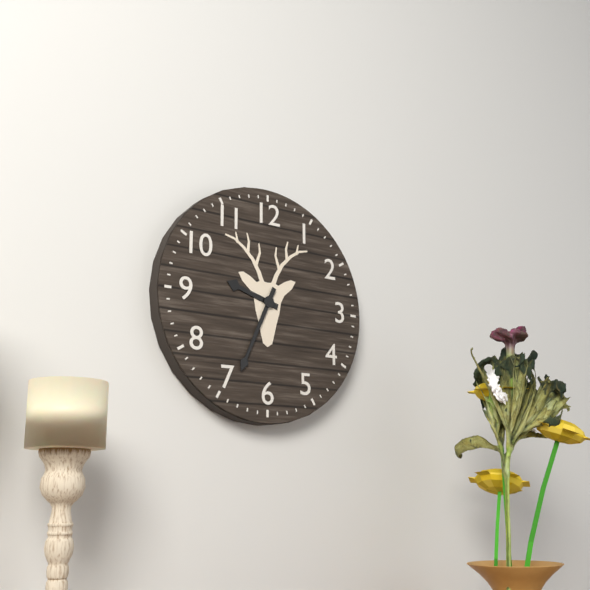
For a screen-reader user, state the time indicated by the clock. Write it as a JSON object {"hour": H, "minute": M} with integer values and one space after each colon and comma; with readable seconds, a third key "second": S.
{"hour": 9, "minute": 34}
